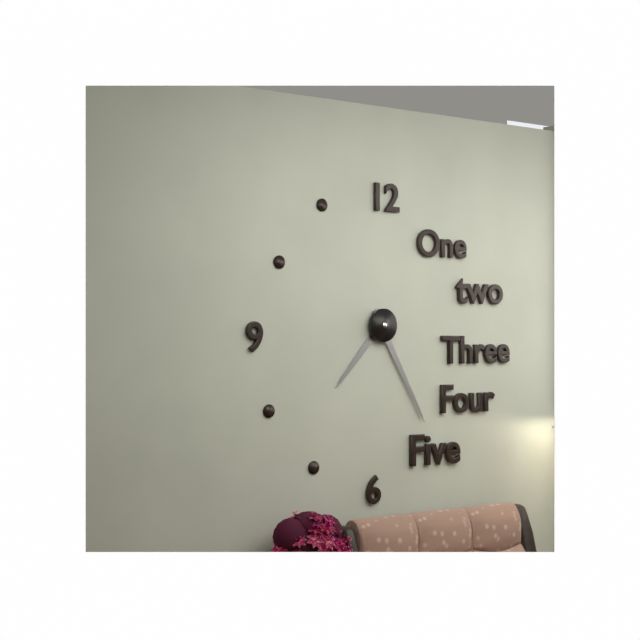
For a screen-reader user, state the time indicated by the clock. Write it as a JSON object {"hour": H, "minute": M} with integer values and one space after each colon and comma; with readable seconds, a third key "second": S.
{"hour": 7, "minute": 25}
